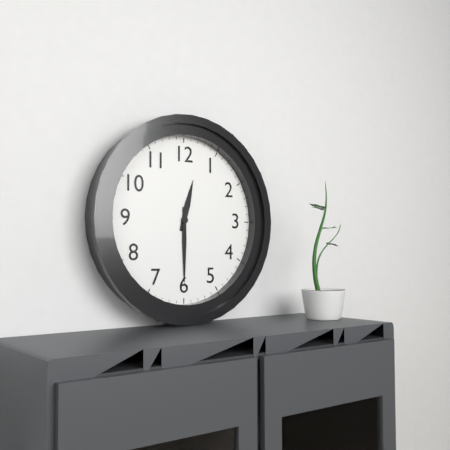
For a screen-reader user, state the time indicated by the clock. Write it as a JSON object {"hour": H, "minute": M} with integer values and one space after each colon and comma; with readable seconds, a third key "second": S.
{"hour": 12, "minute": 30}
